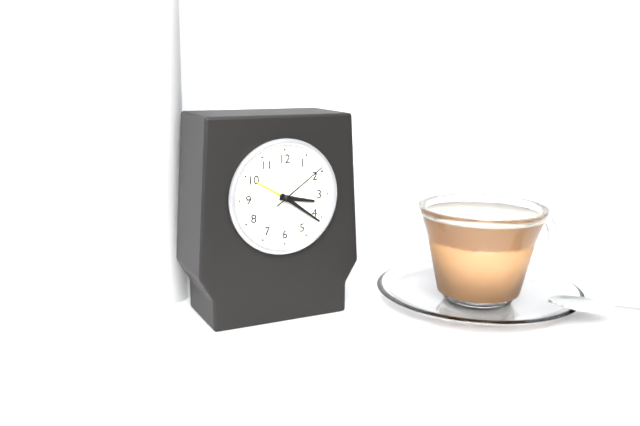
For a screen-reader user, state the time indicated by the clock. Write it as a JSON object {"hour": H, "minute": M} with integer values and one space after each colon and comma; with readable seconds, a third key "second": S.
{"hour": 3, "minute": 21, "second": 9}
